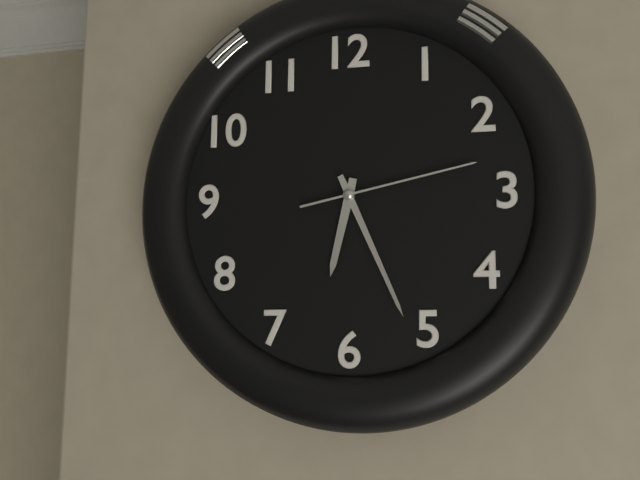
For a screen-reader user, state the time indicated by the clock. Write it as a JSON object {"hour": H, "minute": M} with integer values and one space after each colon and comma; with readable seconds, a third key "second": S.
{"hour": 6, "minute": 26, "second": 13}
